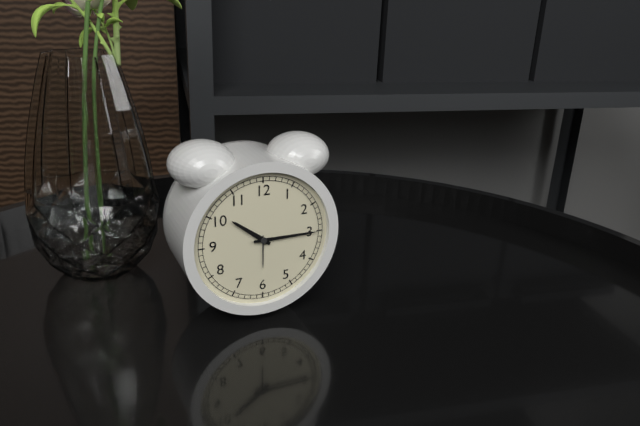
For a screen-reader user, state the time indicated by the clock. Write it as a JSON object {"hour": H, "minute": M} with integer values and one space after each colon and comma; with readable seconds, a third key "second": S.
{"hour": 10, "minute": 15}
